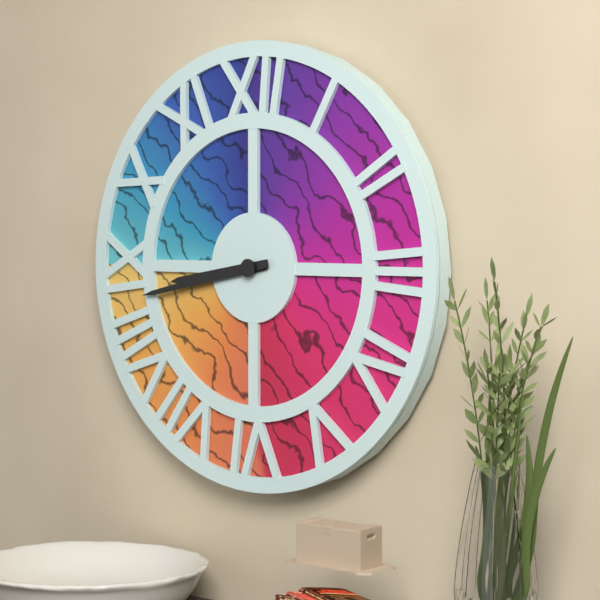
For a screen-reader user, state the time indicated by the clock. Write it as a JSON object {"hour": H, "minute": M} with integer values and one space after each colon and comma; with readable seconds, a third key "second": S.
{"hour": 8, "minute": 43}
